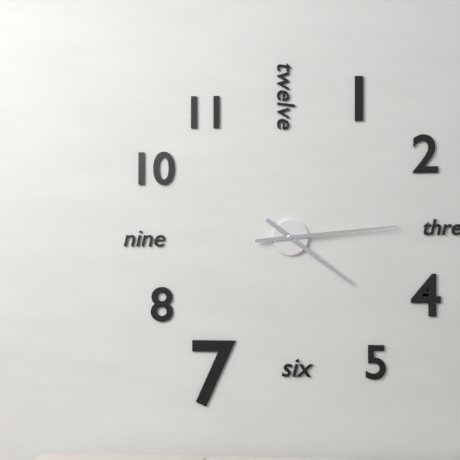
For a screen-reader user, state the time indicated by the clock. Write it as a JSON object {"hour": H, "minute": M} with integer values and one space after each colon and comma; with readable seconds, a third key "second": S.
{"hour": 4, "minute": 14}
